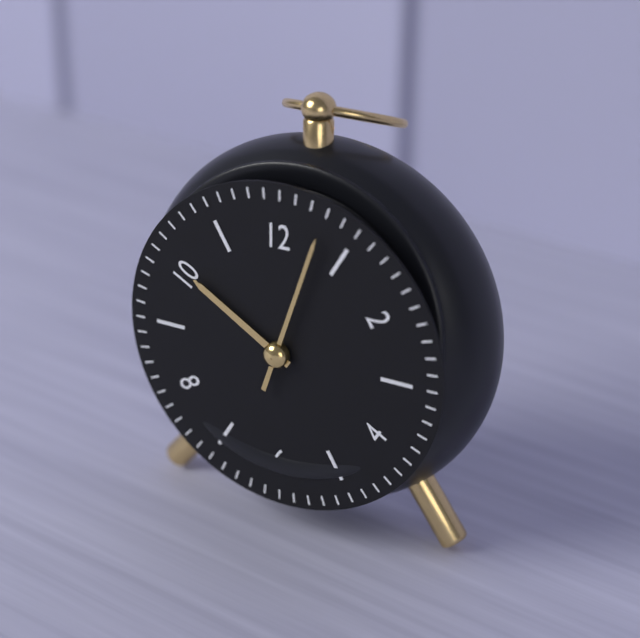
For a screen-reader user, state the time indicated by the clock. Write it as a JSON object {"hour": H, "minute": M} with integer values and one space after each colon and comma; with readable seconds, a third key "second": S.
{"hour": 10, "minute": 3}
